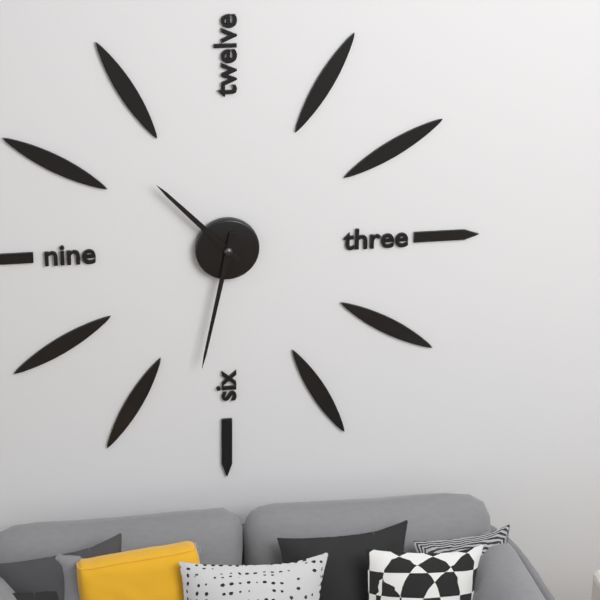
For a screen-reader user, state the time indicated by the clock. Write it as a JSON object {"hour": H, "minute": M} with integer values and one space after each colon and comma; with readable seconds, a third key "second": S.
{"hour": 10, "minute": 32}
